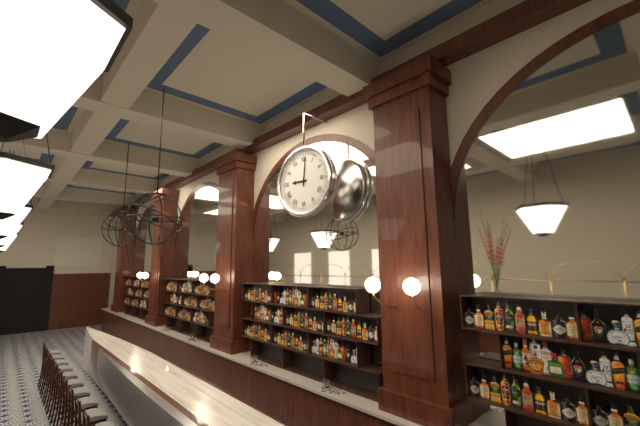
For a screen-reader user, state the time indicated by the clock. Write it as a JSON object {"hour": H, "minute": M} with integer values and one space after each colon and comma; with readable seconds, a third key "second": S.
{"hour": 9, "minute": 1}
